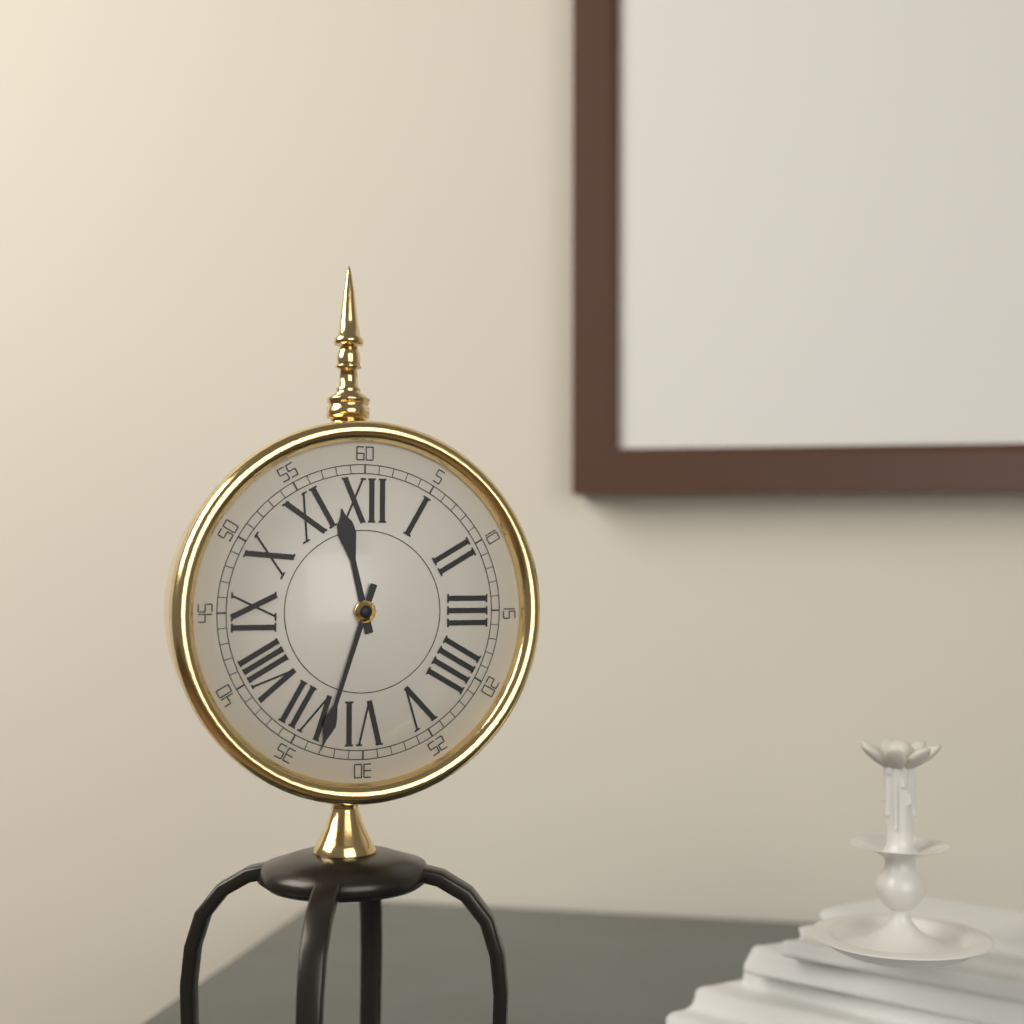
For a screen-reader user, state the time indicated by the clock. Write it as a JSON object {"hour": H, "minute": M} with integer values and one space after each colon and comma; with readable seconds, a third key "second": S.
{"hour": 11, "minute": 33}
